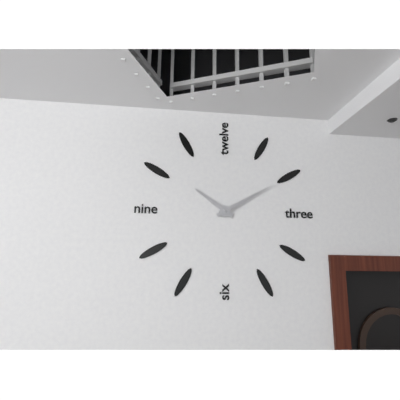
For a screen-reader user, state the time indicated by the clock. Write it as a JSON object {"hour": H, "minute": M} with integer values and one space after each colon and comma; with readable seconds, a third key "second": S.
{"hour": 10, "minute": 10}
